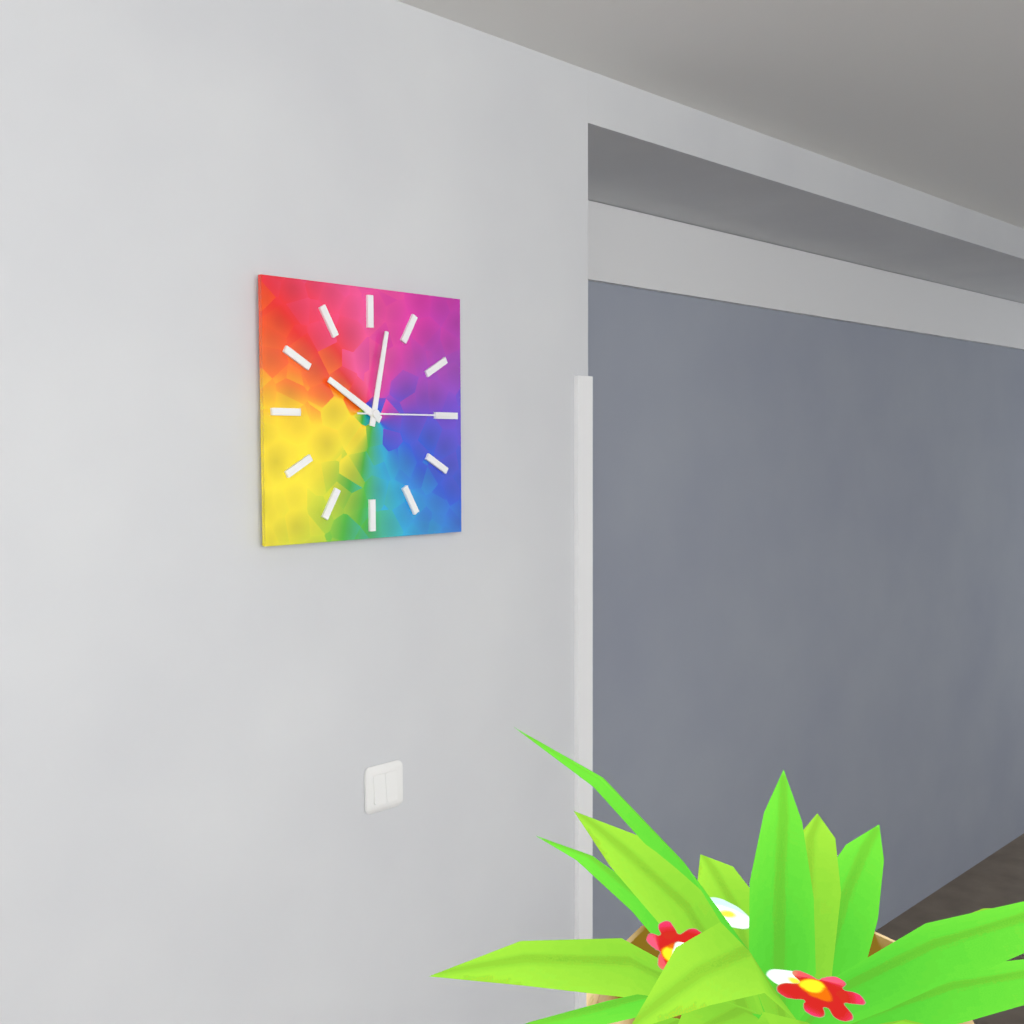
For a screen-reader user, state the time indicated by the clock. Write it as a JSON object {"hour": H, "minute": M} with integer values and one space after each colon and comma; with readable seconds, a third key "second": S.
{"hour": 10, "minute": 2, "second": 15}
